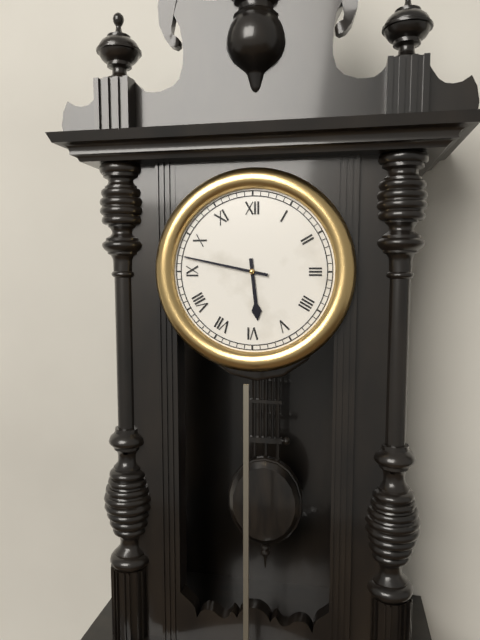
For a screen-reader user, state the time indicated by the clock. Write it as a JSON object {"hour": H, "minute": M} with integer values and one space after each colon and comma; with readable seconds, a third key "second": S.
{"hour": 5, "minute": 47}
